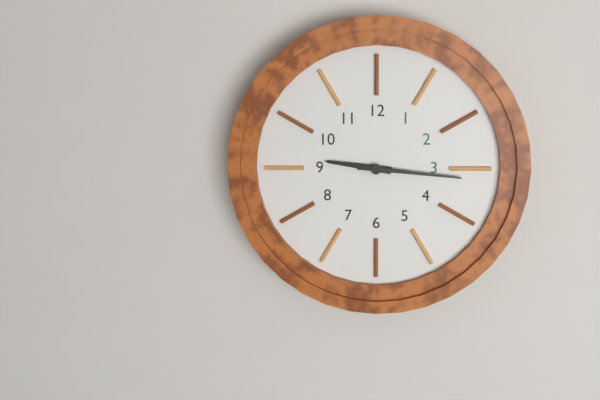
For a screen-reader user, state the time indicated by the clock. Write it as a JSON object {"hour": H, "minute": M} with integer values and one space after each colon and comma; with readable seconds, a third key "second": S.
{"hour": 9, "minute": 16}
